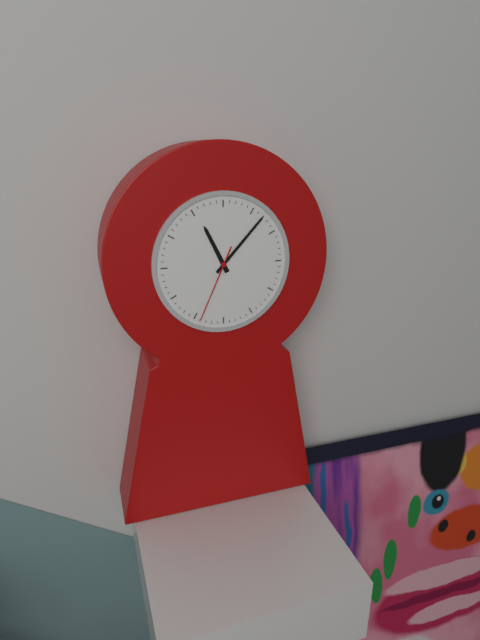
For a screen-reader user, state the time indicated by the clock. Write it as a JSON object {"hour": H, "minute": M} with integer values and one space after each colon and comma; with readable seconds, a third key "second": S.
{"hour": 11, "minute": 7, "second": 34}
